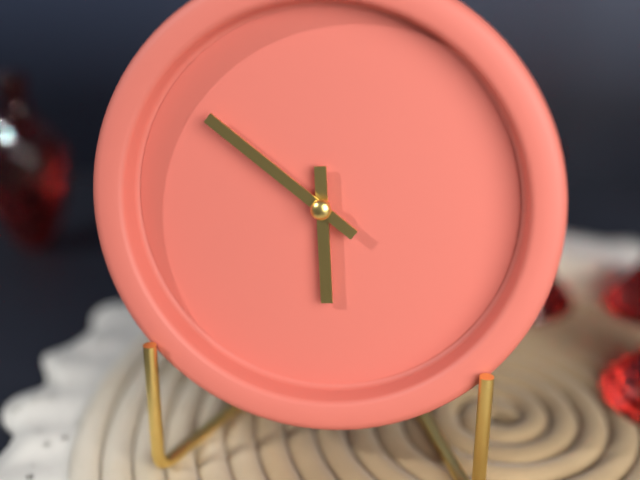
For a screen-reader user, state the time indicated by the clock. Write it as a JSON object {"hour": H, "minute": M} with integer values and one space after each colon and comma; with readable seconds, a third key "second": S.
{"hour": 5, "minute": 51}
